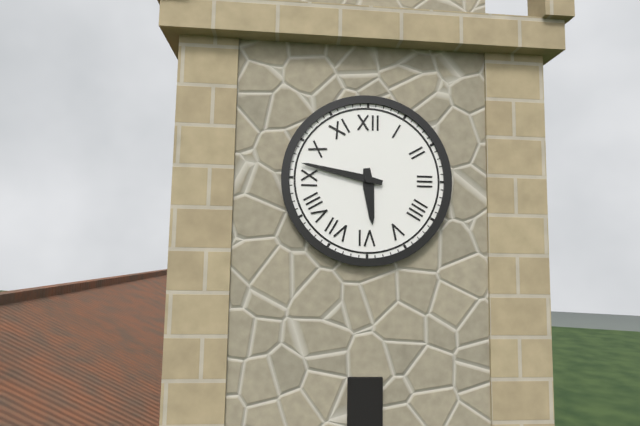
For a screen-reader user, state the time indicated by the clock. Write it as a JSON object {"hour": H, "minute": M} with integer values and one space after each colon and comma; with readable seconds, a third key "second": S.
{"hour": 5, "minute": 47}
